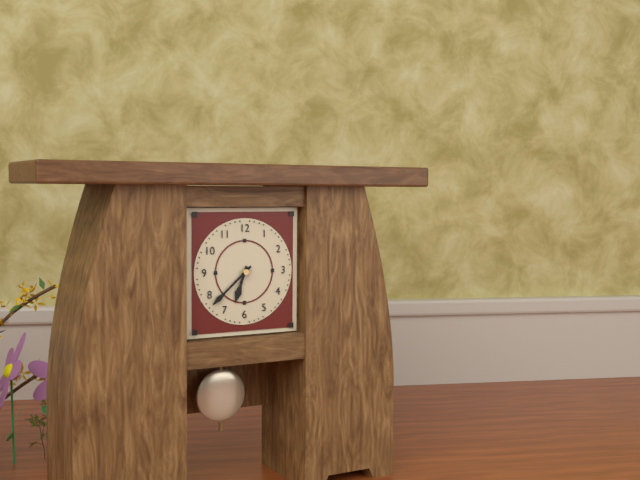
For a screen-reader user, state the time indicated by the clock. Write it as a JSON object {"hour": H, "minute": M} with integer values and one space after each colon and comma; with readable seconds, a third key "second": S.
{"hour": 6, "minute": 38}
